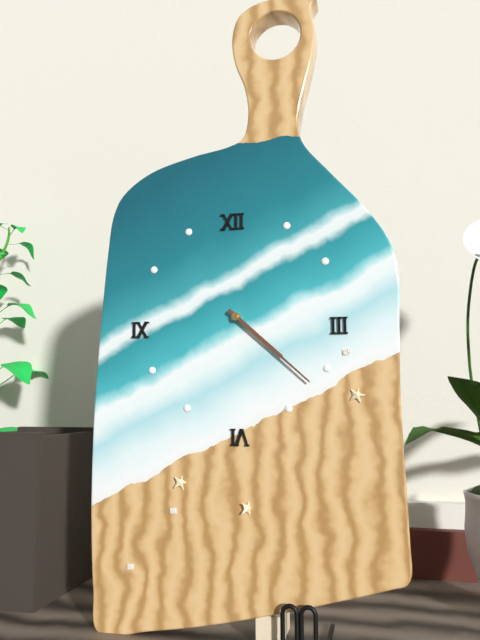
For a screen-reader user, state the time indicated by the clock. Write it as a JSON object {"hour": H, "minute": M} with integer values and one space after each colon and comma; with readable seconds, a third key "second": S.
{"hour": 4, "minute": 22}
